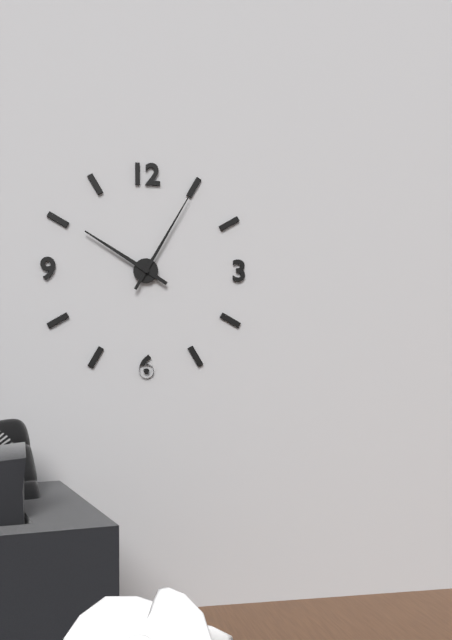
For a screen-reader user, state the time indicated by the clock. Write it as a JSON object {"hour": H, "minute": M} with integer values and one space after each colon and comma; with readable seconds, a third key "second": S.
{"hour": 10, "minute": 5}
